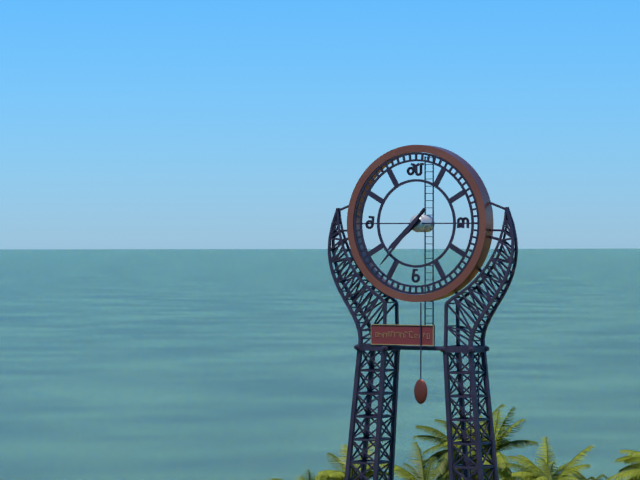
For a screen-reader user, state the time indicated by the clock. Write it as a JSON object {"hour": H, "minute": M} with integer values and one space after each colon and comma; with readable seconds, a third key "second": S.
{"hour": 7, "minute": 37}
